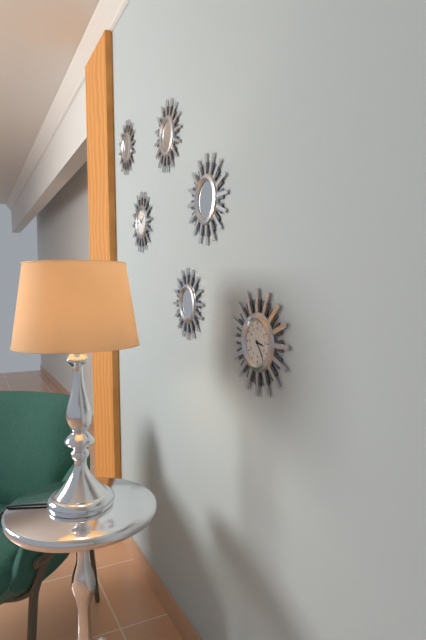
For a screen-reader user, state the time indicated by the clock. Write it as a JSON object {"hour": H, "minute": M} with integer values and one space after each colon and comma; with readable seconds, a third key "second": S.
{"hour": 3, "minute": 24}
